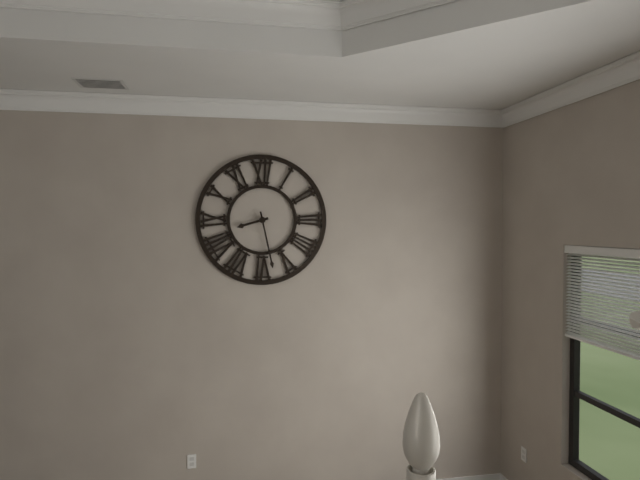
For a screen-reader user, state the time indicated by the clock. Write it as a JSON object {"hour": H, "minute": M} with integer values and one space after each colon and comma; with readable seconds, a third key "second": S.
{"hour": 8, "minute": 28}
